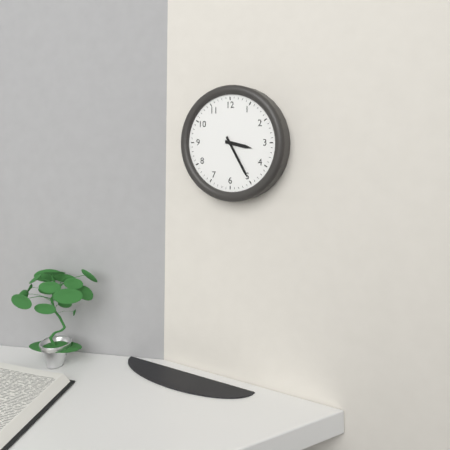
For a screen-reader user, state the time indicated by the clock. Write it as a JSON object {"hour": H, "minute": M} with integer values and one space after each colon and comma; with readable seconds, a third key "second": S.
{"hour": 3, "minute": 25}
